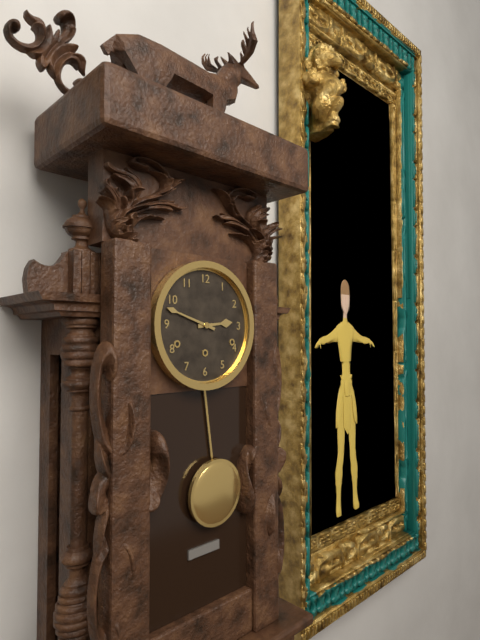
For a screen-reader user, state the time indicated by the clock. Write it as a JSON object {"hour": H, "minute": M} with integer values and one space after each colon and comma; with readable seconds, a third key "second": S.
{"hour": 2, "minute": 48}
